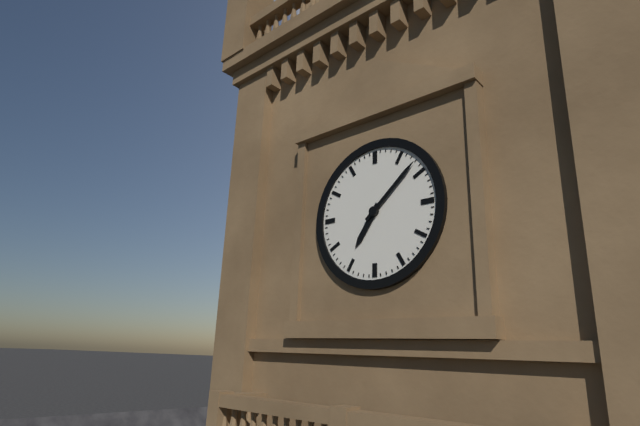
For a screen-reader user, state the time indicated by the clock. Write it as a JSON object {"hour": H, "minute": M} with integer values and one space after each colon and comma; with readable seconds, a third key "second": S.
{"hour": 7, "minute": 8}
